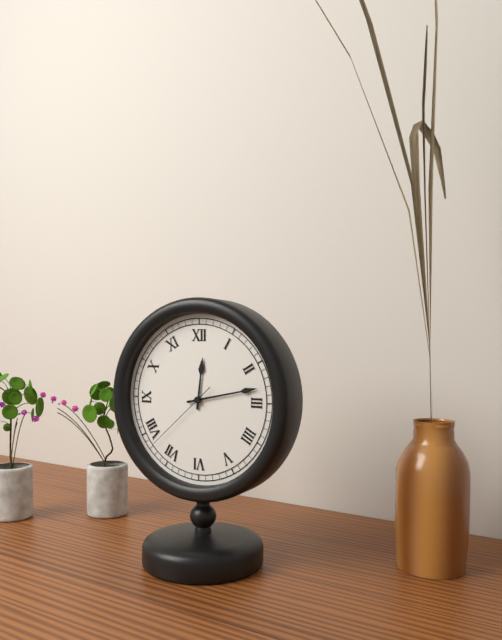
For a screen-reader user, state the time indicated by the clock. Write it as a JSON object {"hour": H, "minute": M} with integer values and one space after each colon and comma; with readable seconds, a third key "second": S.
{"hour": 12, "minute": 13, "second": 38}
